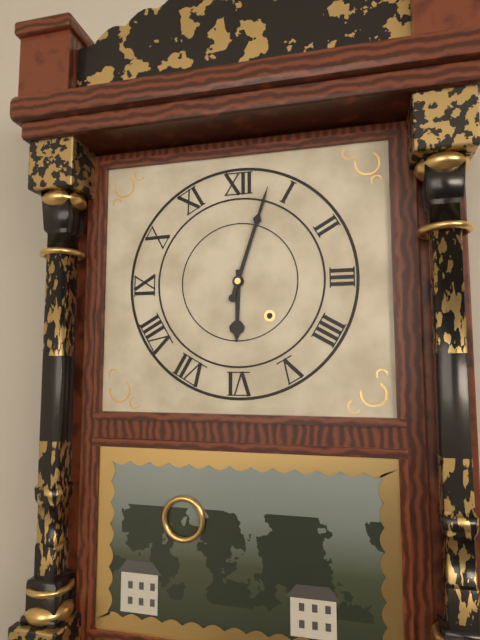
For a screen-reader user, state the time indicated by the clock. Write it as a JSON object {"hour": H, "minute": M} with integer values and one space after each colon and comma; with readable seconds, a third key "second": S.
{"hour": 6, "minute": 3}
